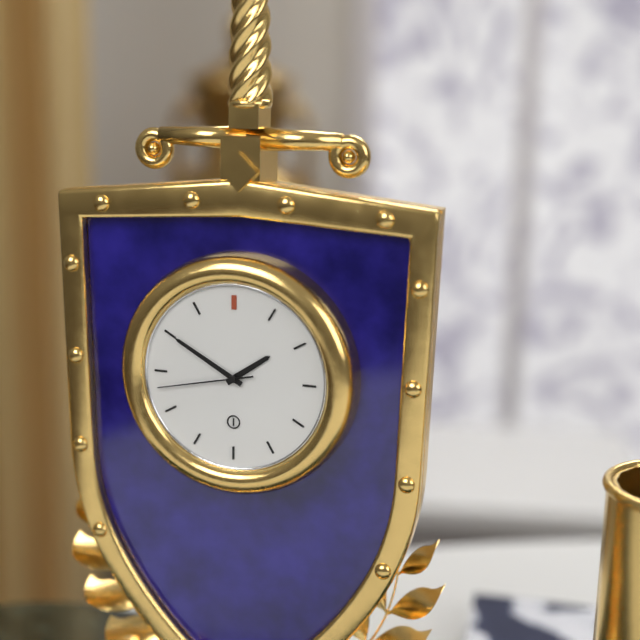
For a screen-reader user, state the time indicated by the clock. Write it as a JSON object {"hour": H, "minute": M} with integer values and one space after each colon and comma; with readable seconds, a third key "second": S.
{"hour": 1, "minute": 50, "second": 43}
